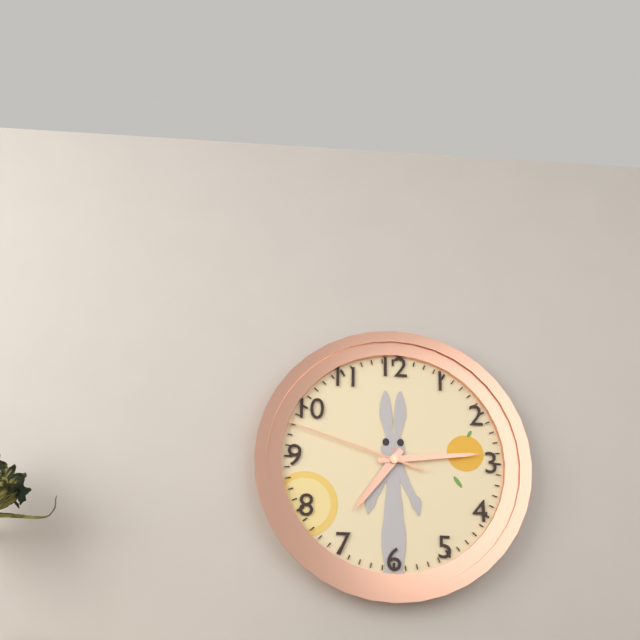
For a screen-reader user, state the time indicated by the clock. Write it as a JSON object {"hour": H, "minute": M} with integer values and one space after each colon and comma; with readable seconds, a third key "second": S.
{"hour": 7, "minute": 14, "second": 48}
